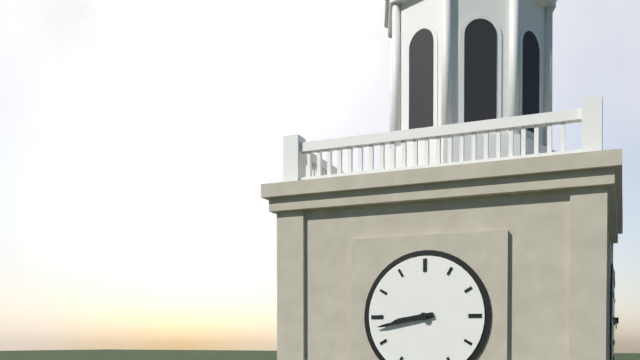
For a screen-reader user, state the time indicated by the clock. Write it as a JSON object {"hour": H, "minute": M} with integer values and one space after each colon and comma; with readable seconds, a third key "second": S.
{"hour": 8, "minute": 43}
